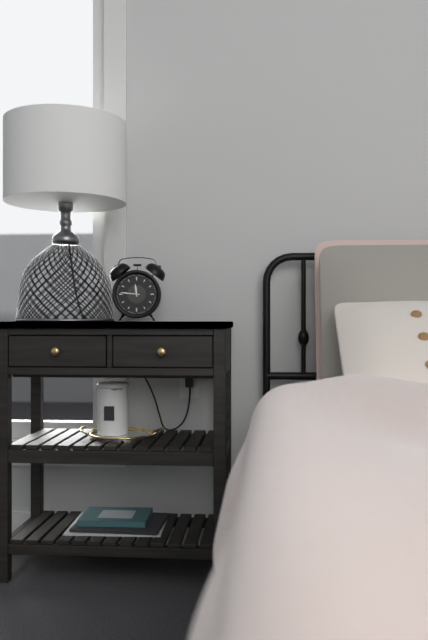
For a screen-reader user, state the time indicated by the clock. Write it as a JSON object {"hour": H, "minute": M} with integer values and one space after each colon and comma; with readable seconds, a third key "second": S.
{"hour": 11, "minute": 46}
